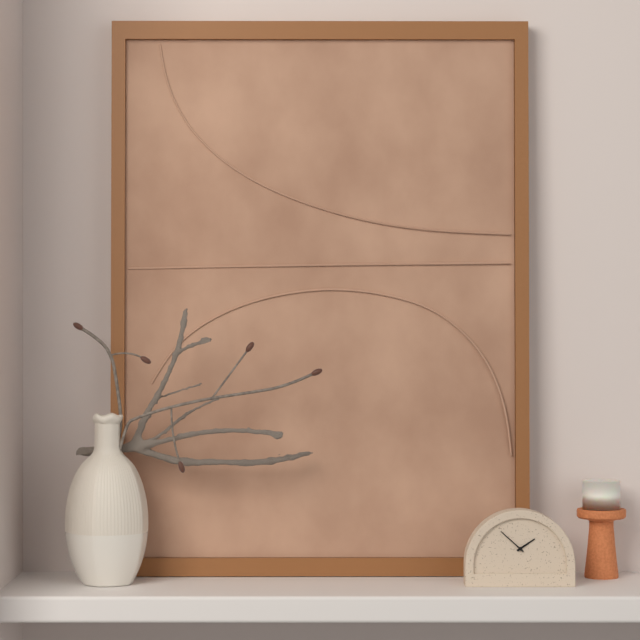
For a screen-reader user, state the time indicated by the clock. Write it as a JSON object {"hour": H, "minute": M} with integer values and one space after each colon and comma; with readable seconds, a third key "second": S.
{"hour": 1, "minute": 52}
